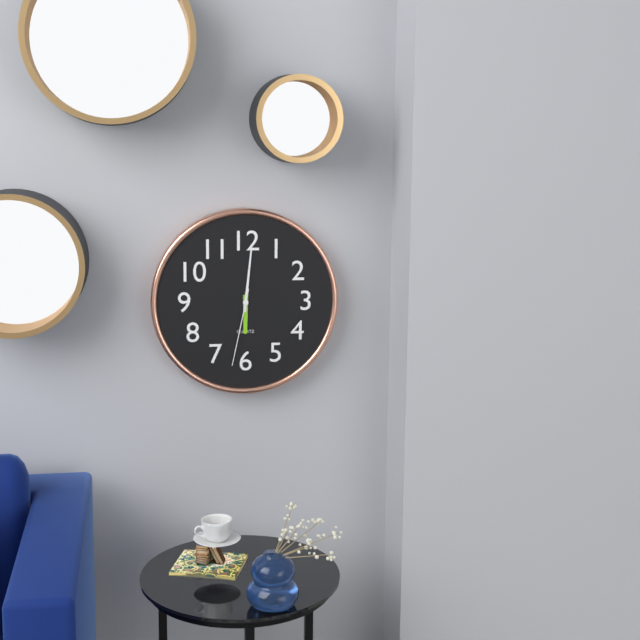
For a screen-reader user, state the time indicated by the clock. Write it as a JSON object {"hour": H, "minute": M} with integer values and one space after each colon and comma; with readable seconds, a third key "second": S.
{"hour": 6, "minute": 1, "second": 32}
